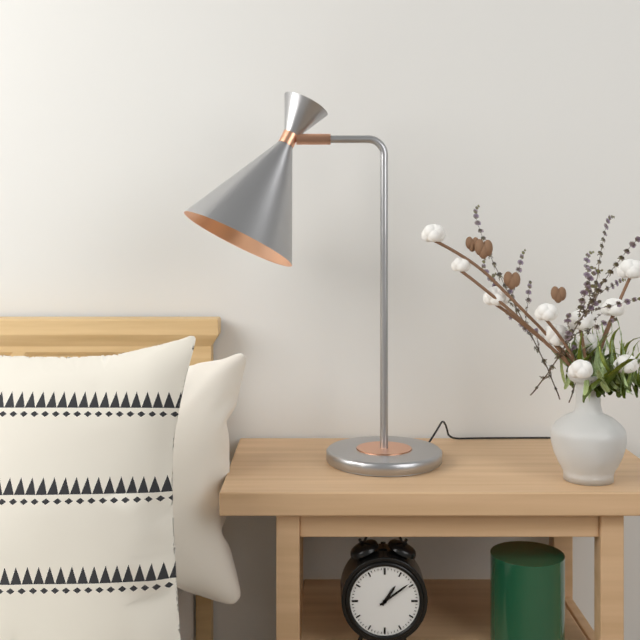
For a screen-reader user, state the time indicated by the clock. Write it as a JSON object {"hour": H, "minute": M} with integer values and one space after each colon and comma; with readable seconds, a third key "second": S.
{"hour": 1, "minute": 9}
